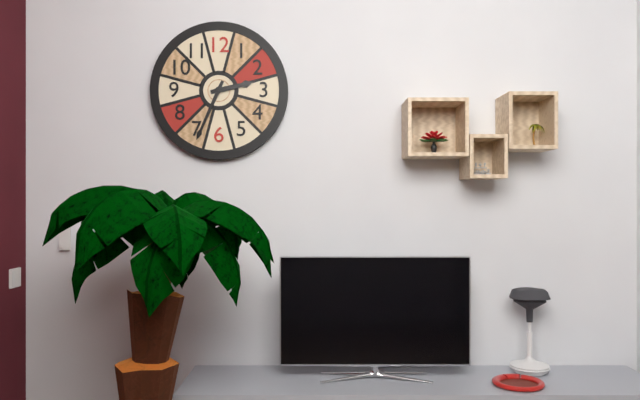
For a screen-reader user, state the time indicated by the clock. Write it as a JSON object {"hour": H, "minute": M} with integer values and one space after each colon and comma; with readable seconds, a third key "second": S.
{"hour": 2, "minute": 34}
